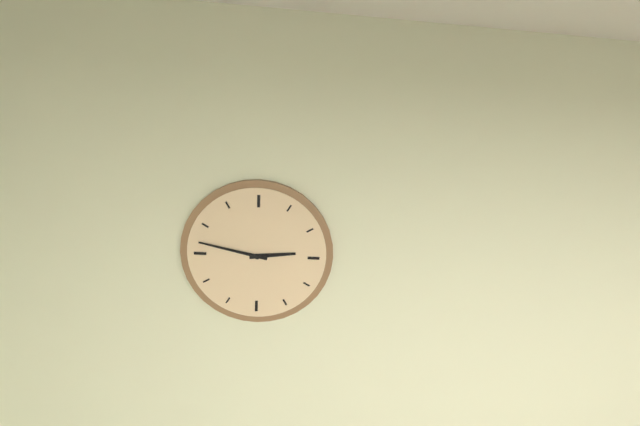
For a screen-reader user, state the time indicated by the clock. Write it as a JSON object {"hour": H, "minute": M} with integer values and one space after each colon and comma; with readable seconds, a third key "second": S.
{"hour": 2, "minute": 47}
